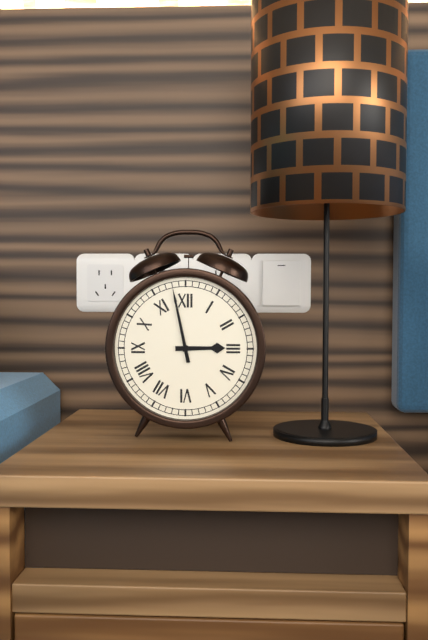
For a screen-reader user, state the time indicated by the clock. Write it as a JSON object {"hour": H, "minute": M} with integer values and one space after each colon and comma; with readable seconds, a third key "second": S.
{"hour": 2, "minute": 58}
